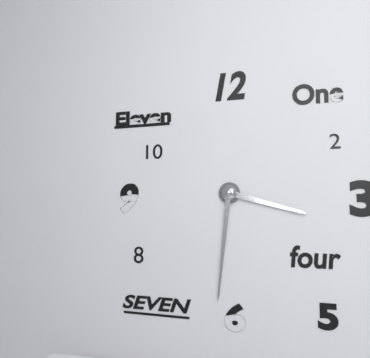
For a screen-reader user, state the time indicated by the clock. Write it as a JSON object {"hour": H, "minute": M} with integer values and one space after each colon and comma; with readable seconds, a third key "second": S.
{"hour": 3, "minute": 31}
